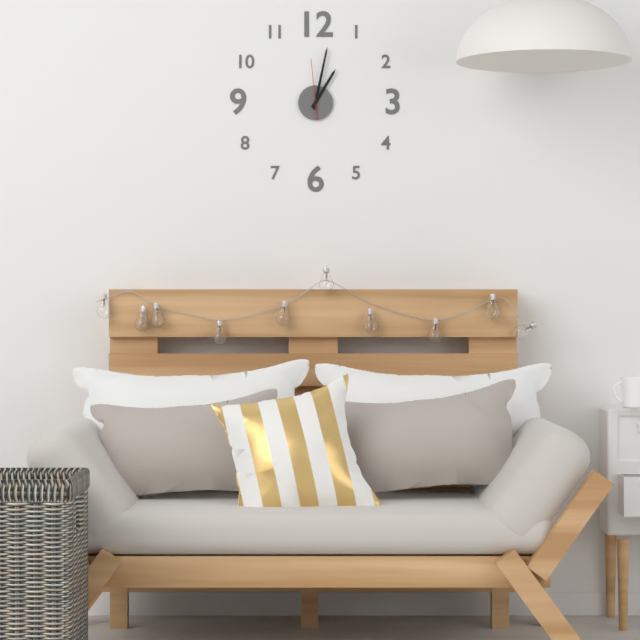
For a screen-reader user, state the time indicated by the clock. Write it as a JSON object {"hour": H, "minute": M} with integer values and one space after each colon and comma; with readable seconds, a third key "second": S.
{"hour": 1, "minute": 2, "second": 59}
